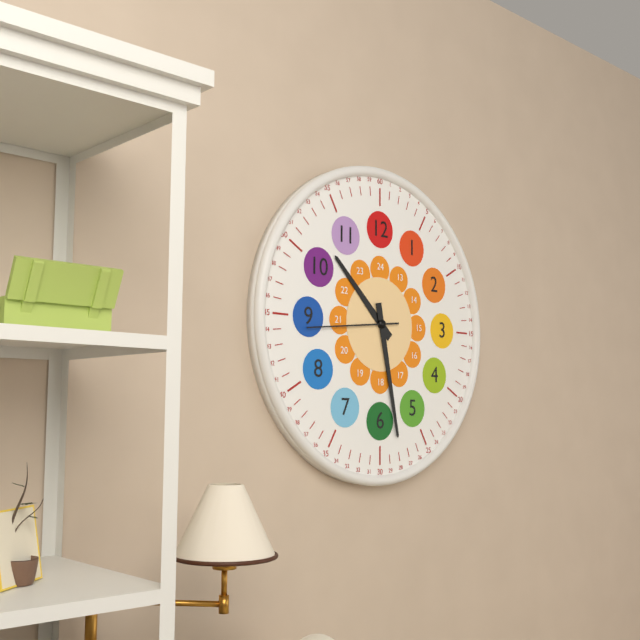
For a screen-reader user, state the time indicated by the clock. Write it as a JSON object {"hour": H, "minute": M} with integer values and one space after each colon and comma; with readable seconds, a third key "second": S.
{"hour": 10, "minute": 28, "second": 44}
